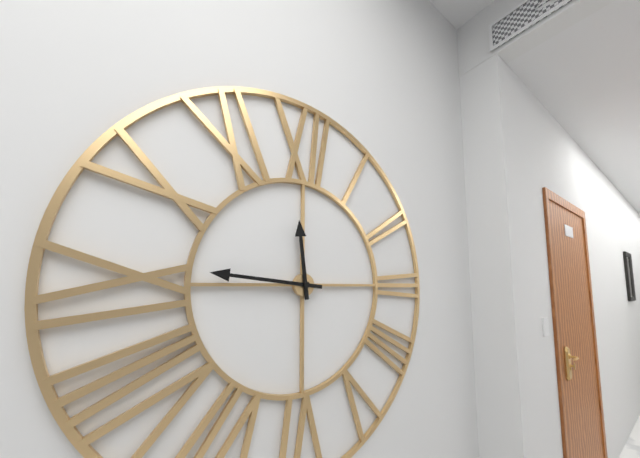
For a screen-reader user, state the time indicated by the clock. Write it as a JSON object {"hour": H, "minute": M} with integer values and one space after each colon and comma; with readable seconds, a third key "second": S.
{"hour": 11, "minute": 46}
